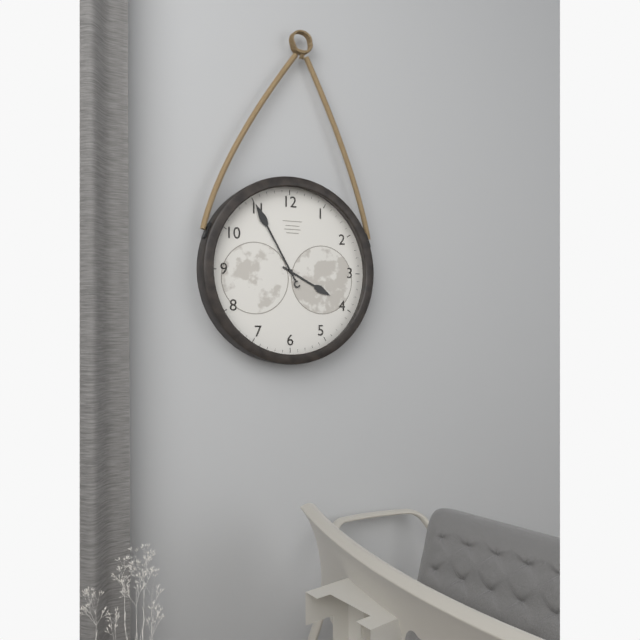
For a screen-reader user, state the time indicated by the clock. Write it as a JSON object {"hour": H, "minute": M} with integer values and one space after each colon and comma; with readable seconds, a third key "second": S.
{"hour": 3, "minute": 55}
